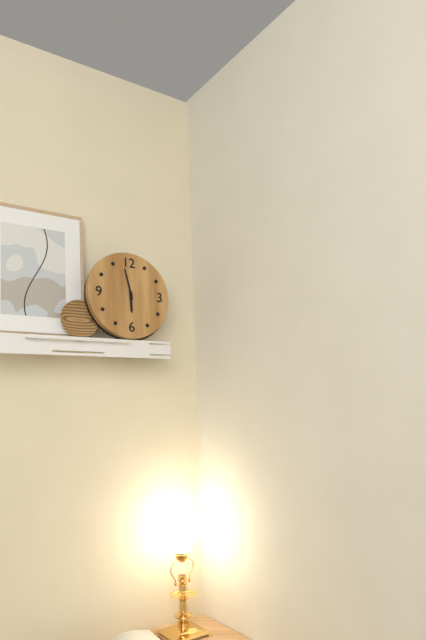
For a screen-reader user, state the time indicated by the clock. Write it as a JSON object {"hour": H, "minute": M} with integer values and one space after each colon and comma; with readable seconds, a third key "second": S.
{"hour": 5, "minute": 58}
